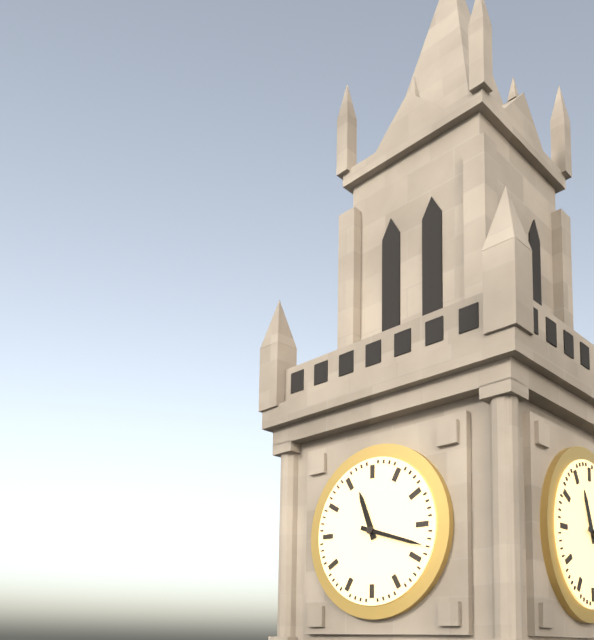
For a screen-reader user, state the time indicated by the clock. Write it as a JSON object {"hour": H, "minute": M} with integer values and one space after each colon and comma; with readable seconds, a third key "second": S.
{"hour": 11, "minute": 18}
